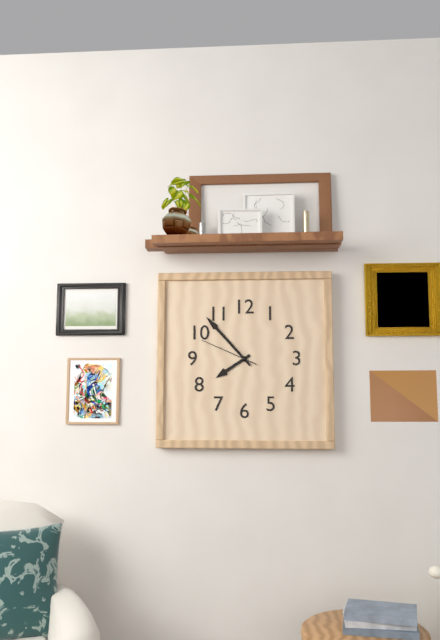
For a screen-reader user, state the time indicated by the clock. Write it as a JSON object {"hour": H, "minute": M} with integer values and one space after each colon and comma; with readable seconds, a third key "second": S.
{"hour": 7, "minute": 53, "second": 49}
